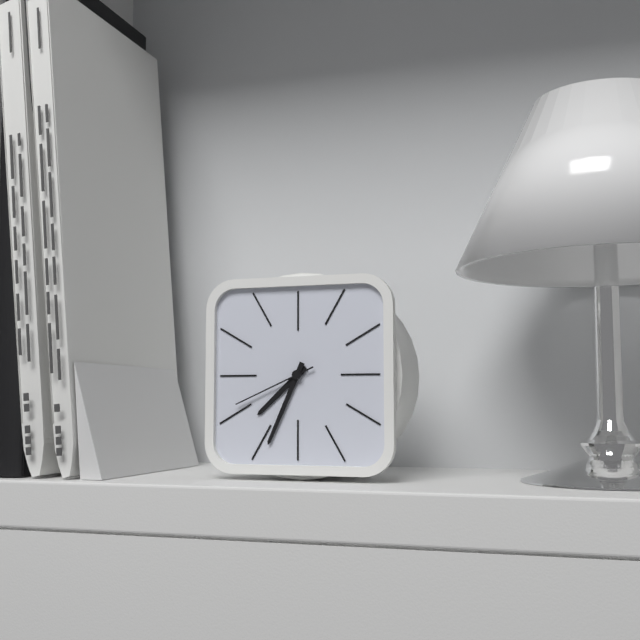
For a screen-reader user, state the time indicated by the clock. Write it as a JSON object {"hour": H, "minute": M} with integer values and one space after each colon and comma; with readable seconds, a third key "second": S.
{"hour": 7, "minute": 34, "second": 41}
